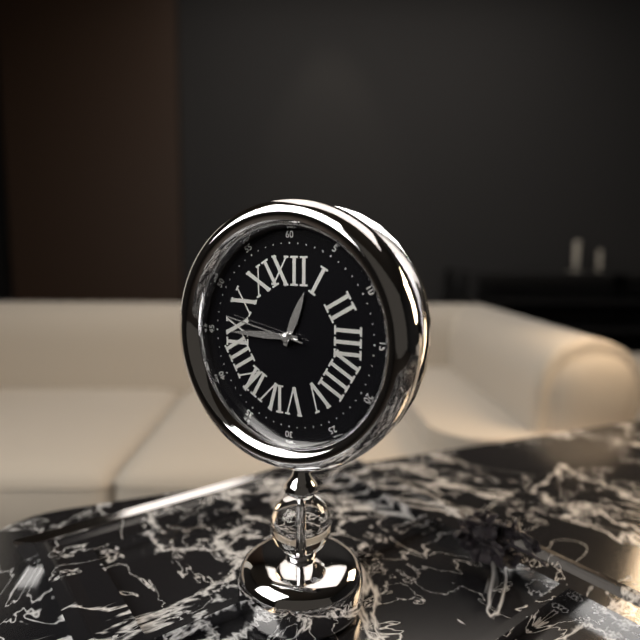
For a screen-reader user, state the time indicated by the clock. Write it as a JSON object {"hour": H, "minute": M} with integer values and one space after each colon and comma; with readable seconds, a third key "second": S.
{"hour": 12, "minute": 45, "second": 47}
